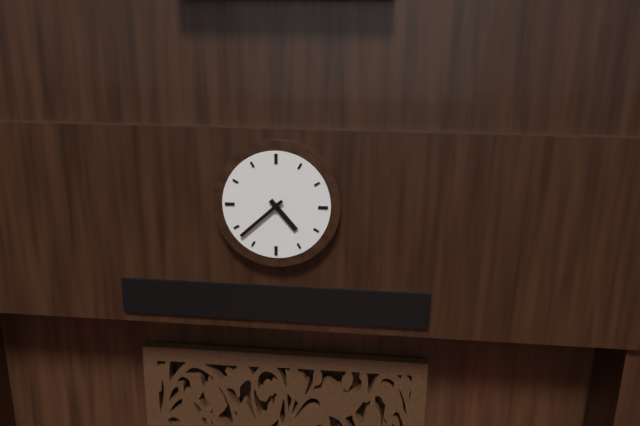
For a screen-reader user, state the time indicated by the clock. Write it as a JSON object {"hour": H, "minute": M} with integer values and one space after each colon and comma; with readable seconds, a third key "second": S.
{"hour": 4, "minute": 38}
